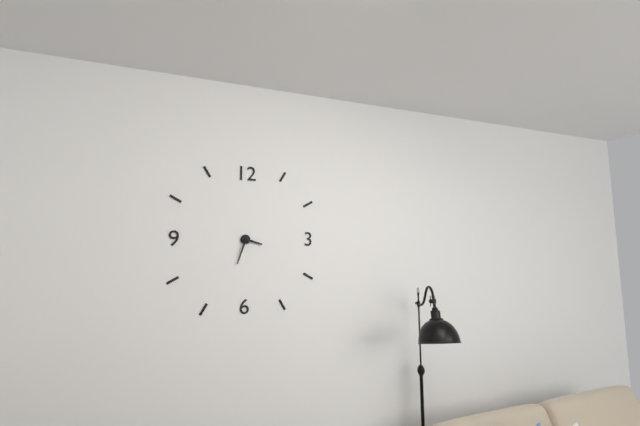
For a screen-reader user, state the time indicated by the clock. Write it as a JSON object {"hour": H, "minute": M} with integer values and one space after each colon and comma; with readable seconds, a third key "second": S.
{"hour": 3, "minute": 33}
